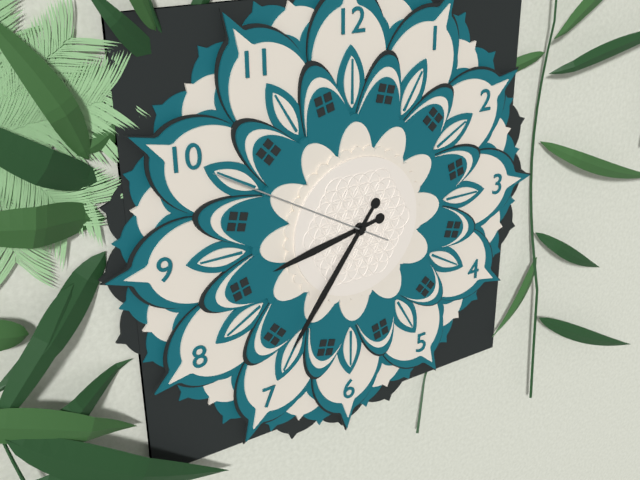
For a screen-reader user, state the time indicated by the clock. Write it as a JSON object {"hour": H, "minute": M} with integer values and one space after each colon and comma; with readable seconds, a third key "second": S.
{"hour": 8, "minute": 36, "second": 50}
